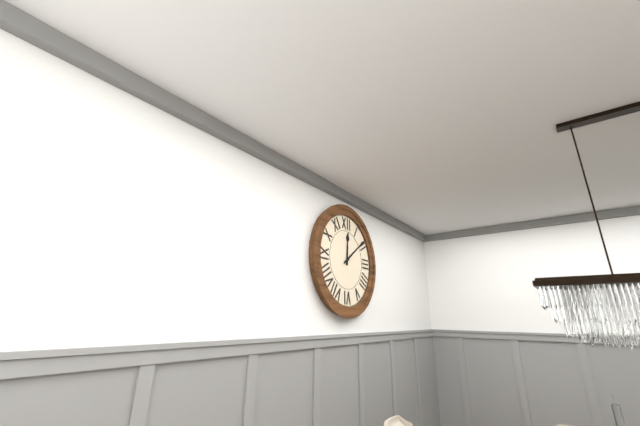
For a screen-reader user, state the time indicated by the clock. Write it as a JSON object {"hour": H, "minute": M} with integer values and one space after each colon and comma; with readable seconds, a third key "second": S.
{"hour": 12, "minute": 9}
